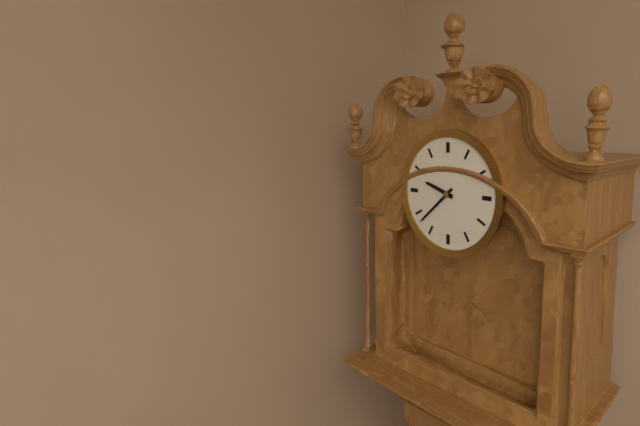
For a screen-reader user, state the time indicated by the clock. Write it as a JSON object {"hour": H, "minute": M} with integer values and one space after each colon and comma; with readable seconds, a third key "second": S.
{"hour": 9, "minute": 38}
